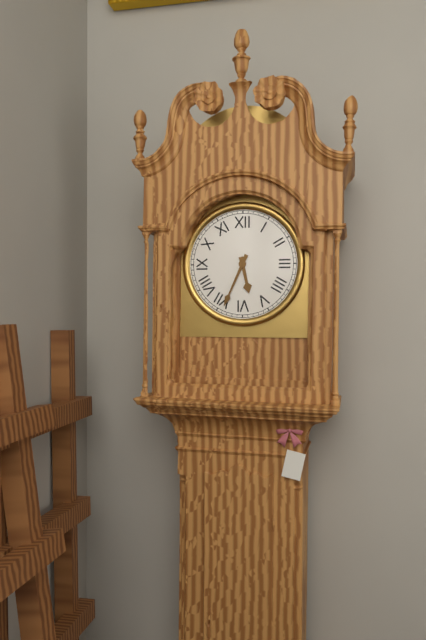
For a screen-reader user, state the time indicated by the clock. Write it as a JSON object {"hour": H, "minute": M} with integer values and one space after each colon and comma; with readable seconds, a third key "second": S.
{"hour": 5, "minute": 34}
